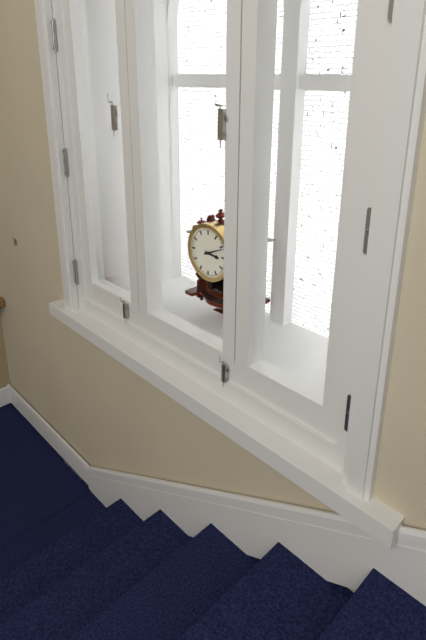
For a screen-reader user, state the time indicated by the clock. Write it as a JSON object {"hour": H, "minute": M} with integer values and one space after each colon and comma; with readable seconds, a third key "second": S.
{"hour": 3, "minute": 11}
